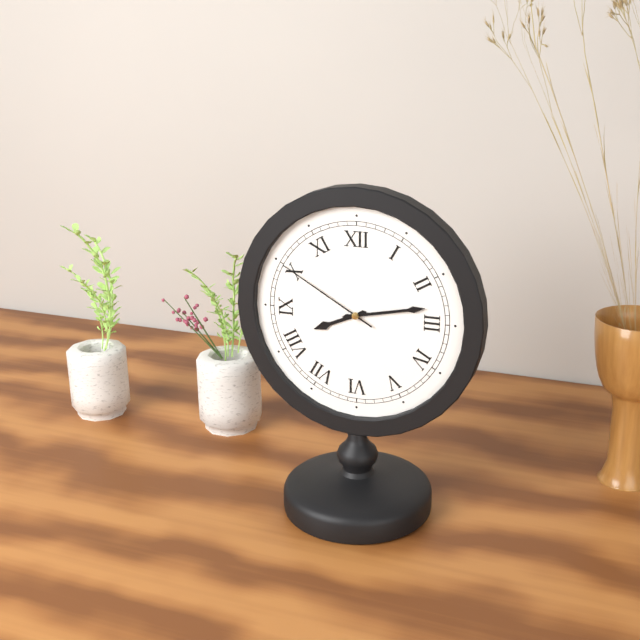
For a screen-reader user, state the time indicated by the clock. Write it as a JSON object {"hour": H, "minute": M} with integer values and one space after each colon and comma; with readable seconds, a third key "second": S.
{"hour": 8, "minute": 13, "second": 50}
